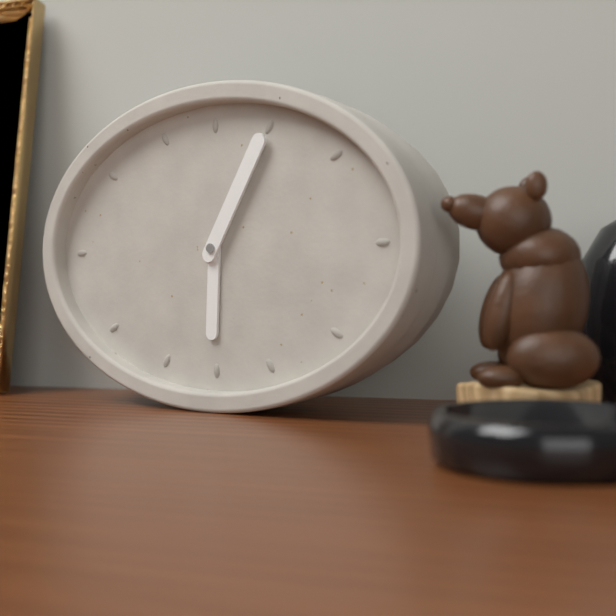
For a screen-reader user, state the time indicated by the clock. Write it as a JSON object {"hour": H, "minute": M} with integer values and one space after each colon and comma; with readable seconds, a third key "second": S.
{"hour": 6, "minute": 5}
